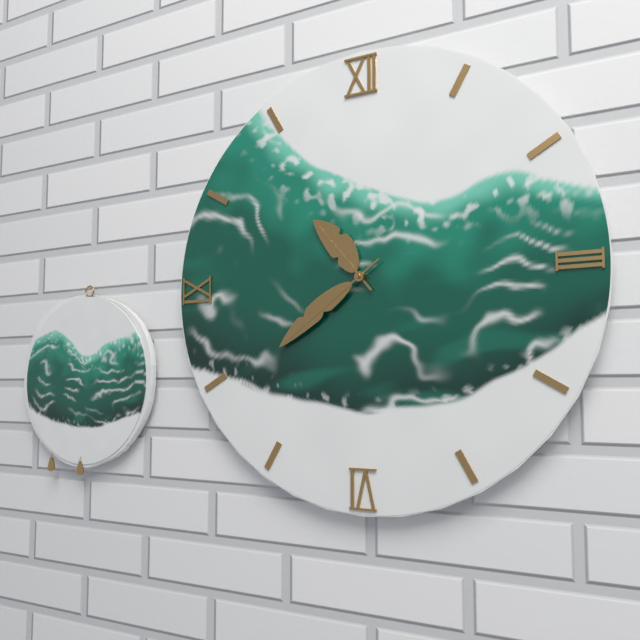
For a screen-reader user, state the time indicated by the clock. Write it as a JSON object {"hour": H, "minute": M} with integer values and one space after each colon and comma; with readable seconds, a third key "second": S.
{"hour": 10, "minute": 39}
